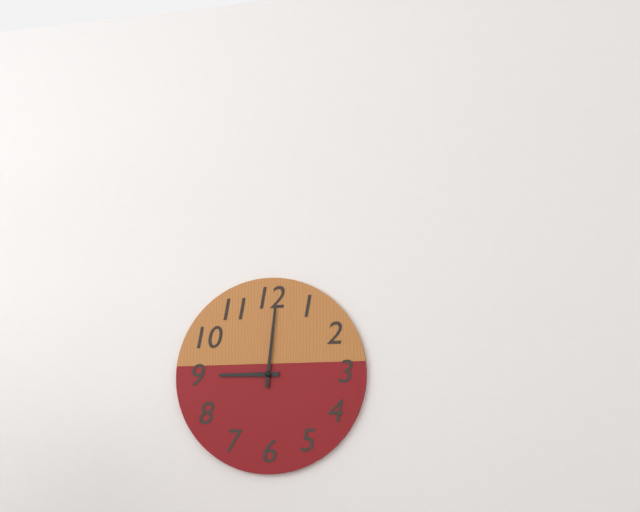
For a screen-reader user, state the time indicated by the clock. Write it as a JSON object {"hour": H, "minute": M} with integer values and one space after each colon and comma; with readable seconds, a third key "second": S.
{"hour": 9, "minute": 1}
